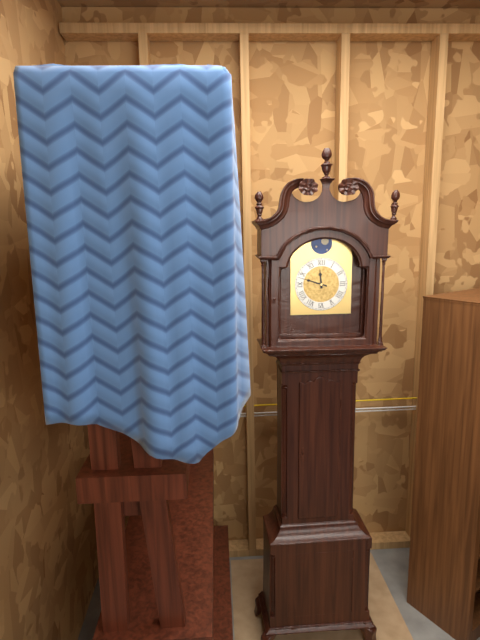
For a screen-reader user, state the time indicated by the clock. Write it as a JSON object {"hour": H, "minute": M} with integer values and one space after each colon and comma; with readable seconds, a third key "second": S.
{"hour": 11, "minute": 48}
